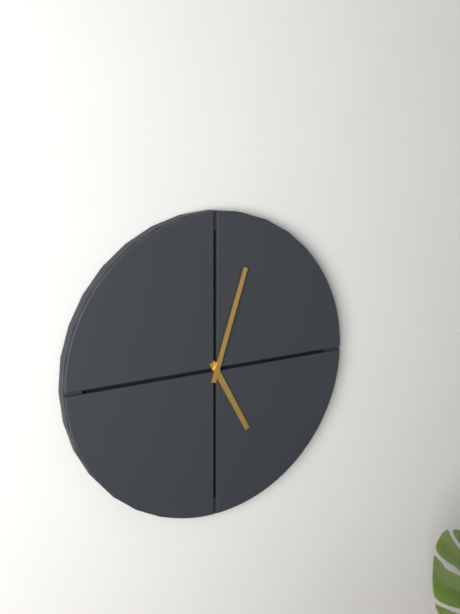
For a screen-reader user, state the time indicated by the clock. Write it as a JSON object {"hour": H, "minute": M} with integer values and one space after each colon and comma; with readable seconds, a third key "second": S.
{"hour": 5, "minute": 3}
